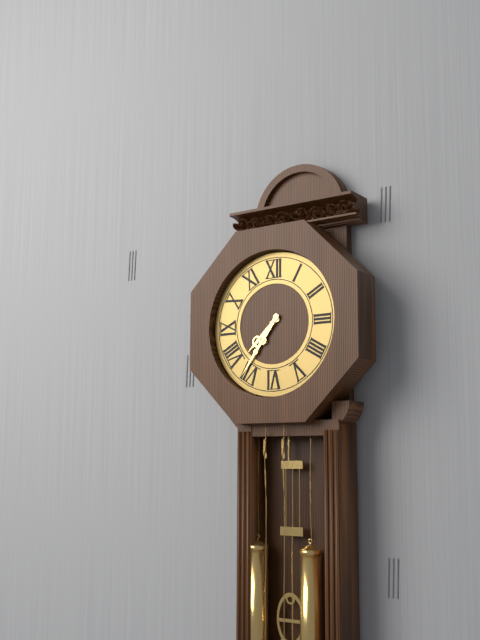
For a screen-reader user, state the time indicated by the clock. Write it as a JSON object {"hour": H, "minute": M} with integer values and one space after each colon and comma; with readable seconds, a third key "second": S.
{"hour": 7, "minute": 36}
